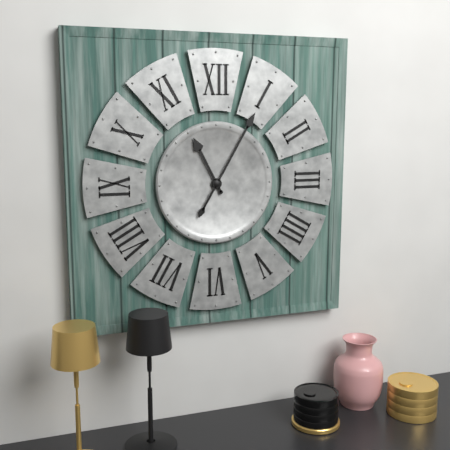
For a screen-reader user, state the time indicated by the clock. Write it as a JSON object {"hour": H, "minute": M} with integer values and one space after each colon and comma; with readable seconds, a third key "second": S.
{"hour": 11, "minute": 5}
